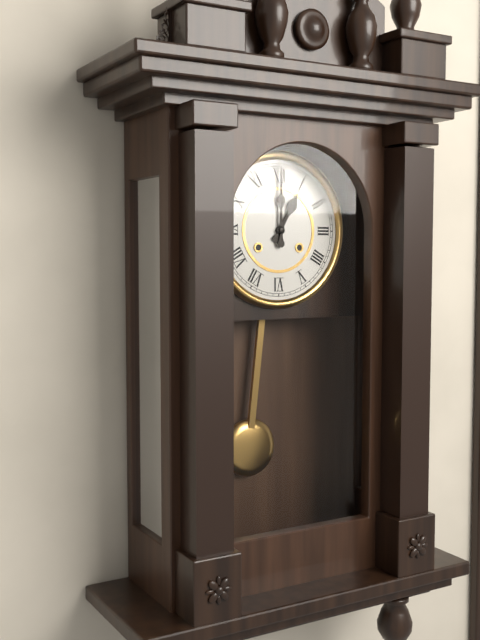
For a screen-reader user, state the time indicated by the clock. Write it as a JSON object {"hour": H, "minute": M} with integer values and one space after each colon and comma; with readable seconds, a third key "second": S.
{"hour": 1, "minute": 0}
